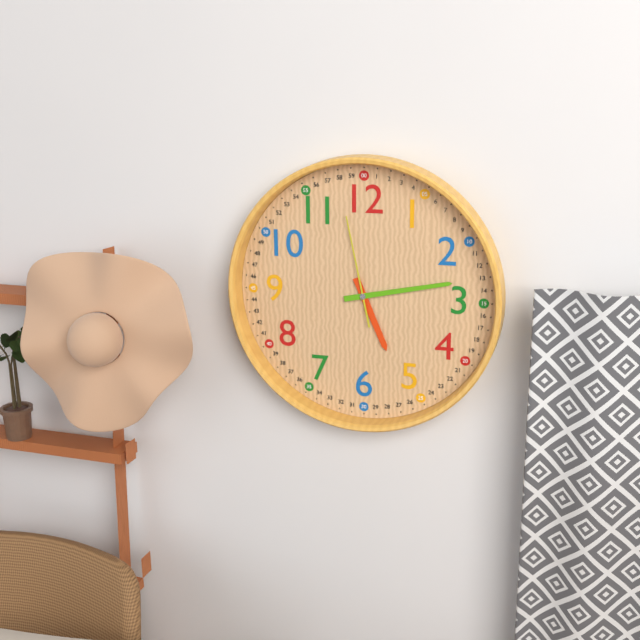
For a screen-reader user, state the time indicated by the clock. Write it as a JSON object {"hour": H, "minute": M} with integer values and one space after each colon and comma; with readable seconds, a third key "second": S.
{"hour": 5, "minute": 13, "second": 58}
